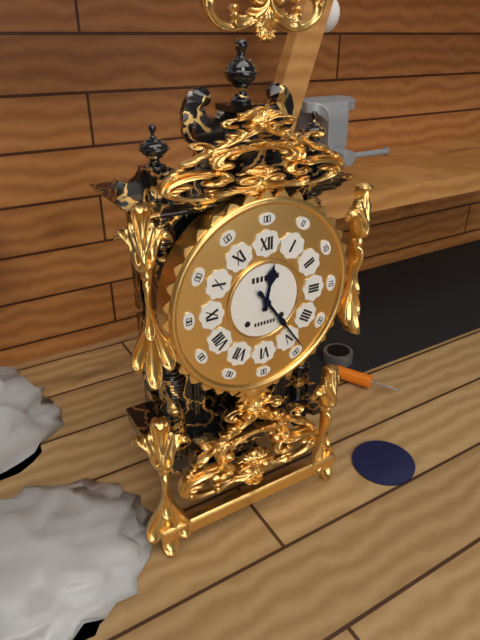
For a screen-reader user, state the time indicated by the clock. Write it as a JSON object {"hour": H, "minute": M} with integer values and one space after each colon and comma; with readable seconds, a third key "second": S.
{"hour": 12, "minute": 24}
